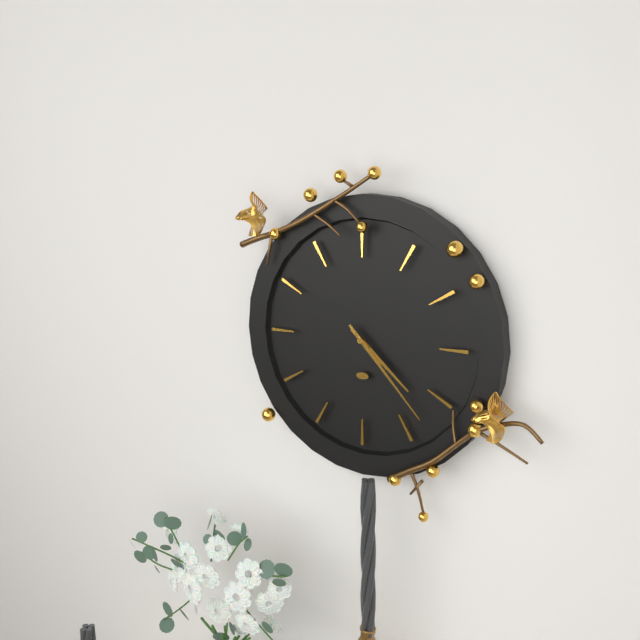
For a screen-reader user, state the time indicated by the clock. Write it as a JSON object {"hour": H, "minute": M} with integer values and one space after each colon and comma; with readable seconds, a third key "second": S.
{"hour": 4, "minute": 23}
